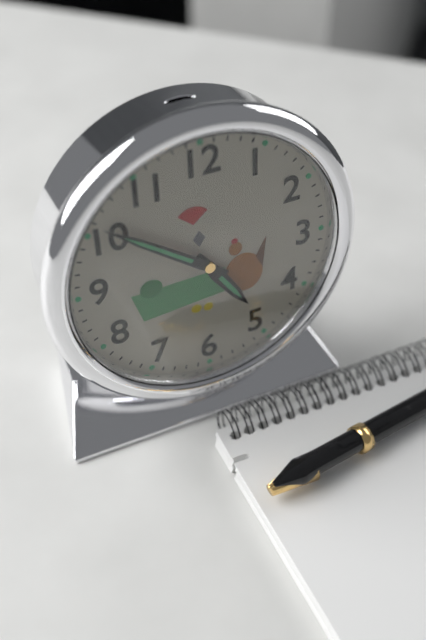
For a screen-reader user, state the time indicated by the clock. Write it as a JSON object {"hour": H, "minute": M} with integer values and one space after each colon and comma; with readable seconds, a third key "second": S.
{"hour": 4, "minute": 51}
